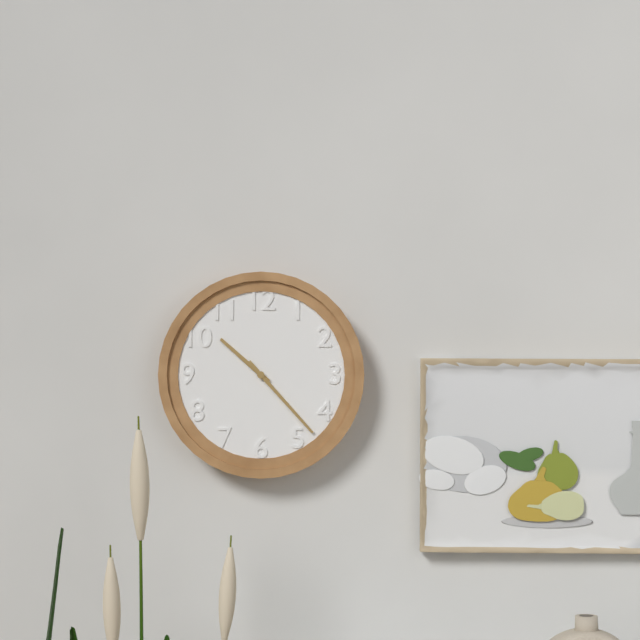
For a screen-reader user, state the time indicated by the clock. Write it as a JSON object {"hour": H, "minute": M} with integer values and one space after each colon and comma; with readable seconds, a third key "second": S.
{"hour": 10, "minute": 23}
